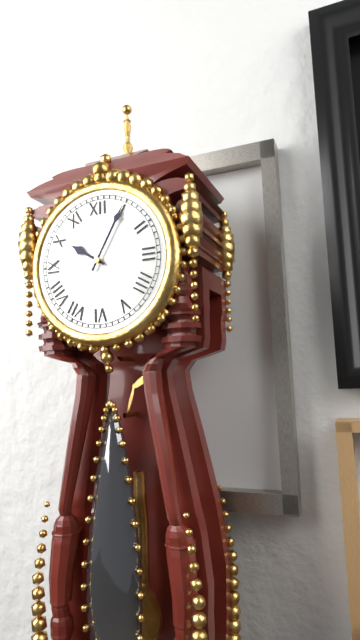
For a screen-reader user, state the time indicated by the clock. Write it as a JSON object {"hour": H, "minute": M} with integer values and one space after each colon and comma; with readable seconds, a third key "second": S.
{"hour": 10, "minute": 5}
